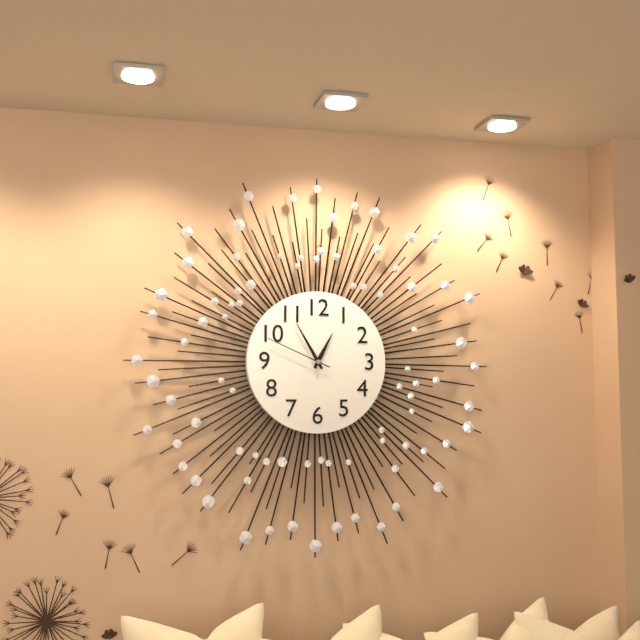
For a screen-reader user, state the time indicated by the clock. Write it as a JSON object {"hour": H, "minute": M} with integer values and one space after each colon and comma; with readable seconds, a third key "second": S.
{"hour": 12, "minute": 55, "second": 49}
